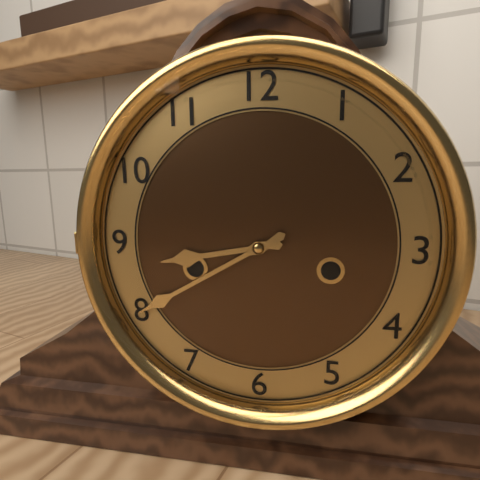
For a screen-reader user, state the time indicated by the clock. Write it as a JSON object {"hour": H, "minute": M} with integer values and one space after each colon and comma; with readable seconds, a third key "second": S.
{"hour": 8, "minute": 40}
